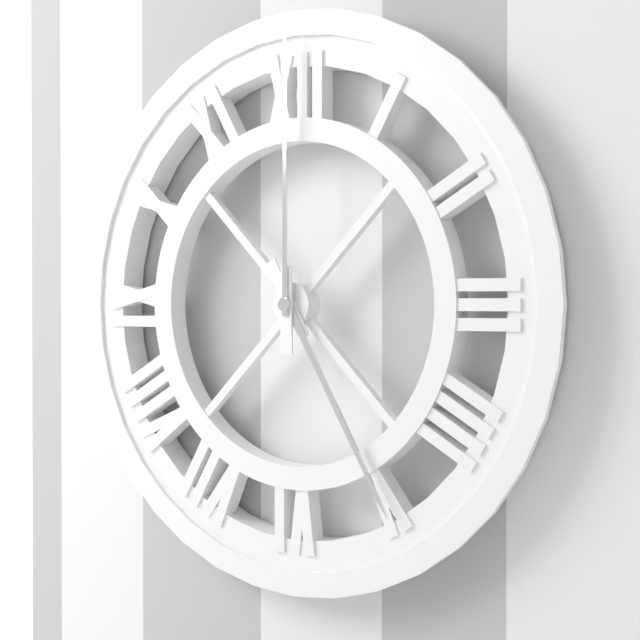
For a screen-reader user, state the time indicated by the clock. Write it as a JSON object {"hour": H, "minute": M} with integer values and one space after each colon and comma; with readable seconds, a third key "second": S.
{"hour": 5, "minute": 0}
